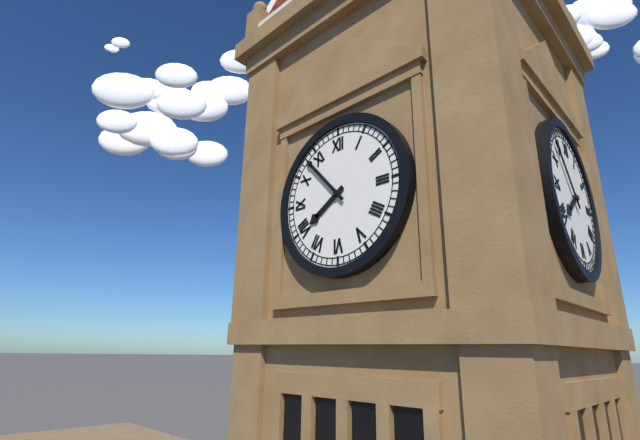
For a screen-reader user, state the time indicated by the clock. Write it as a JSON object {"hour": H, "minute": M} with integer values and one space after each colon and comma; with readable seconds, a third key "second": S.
{"hour": 7, "minute": 53}
